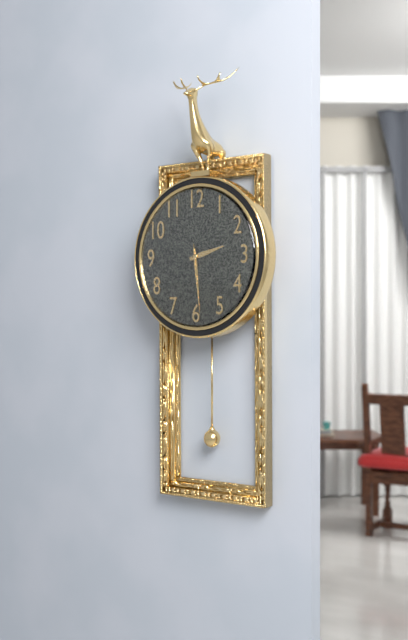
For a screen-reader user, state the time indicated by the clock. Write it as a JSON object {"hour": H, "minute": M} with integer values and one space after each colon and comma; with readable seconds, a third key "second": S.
{"hour": 2, "minute": 29, "second": 29}
